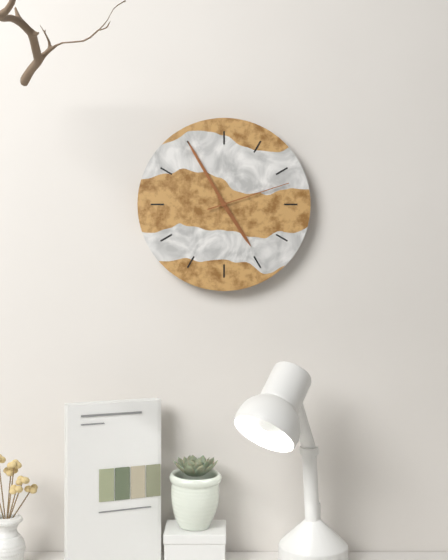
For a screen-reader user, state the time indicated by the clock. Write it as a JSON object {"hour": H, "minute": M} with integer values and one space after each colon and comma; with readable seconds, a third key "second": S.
{"hour": 4, "minute": 55, "second": 12}
